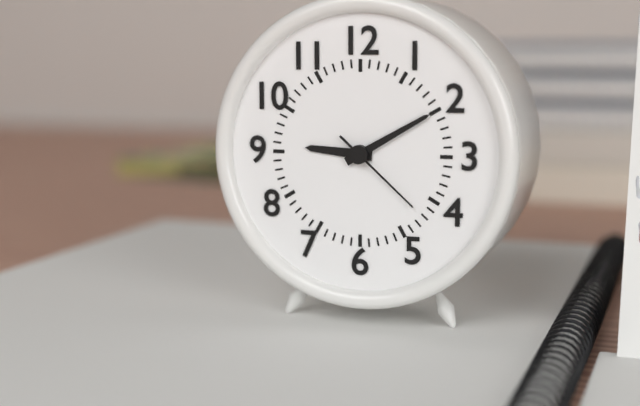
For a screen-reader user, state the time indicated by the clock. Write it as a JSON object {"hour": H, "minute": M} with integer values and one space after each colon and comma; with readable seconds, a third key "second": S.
{"hour": 9, "minute": 10, "second": 22}
